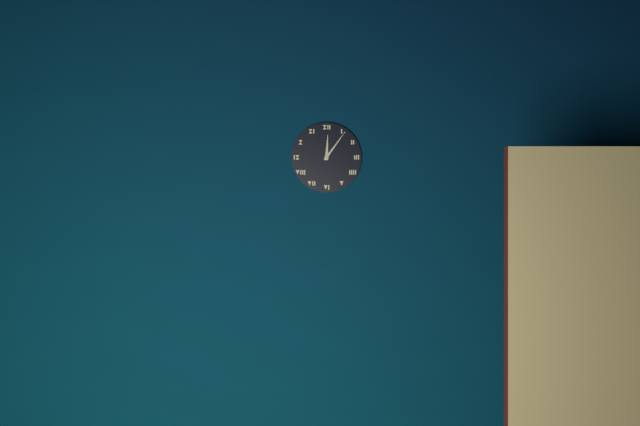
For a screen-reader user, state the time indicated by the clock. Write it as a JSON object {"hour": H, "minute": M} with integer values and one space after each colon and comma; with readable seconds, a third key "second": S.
{"hour": 12, "minute": 6}
